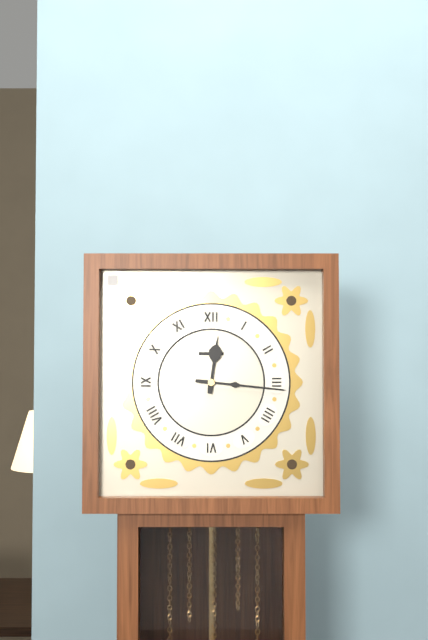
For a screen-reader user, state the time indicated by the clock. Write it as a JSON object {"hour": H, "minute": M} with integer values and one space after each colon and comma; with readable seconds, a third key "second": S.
{"hour": 12, "minute": 16}
